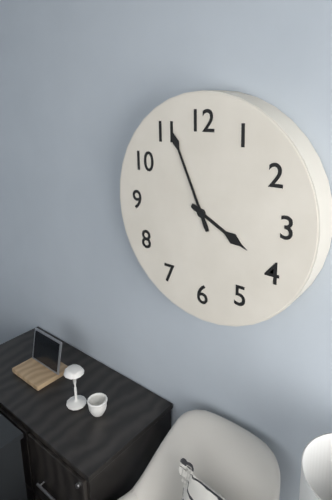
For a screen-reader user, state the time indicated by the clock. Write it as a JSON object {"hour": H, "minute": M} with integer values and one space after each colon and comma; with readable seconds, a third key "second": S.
{"hour": 3, "minute": 56}
